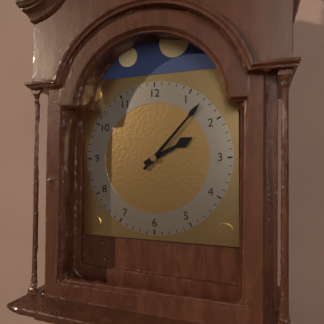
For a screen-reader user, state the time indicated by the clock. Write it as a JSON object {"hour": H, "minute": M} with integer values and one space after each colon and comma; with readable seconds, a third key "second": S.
{"hour": 2, "minute": 7}
